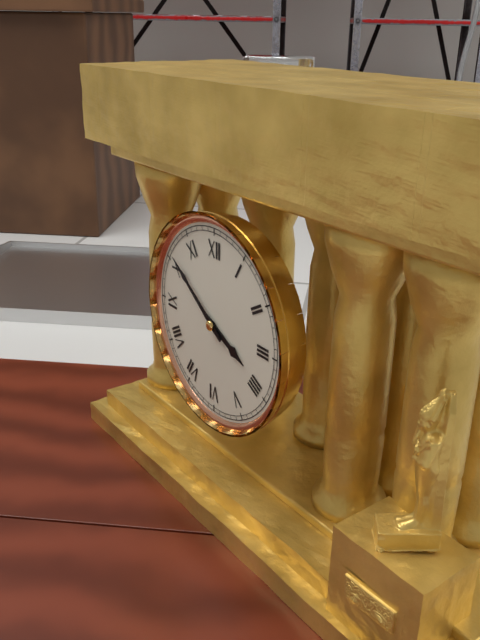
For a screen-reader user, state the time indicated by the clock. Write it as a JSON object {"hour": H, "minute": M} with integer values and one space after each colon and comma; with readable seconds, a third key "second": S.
{"hour": 3, "minute": 51}
